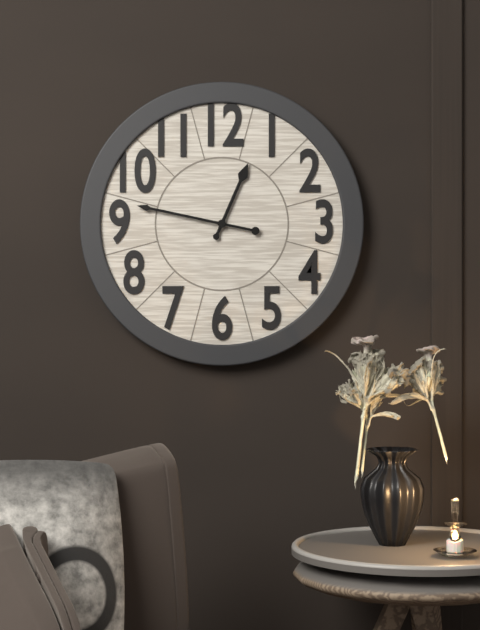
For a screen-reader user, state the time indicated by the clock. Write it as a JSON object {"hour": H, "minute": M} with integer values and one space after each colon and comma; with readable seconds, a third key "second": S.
{"hour": 12, "minute": 47}
